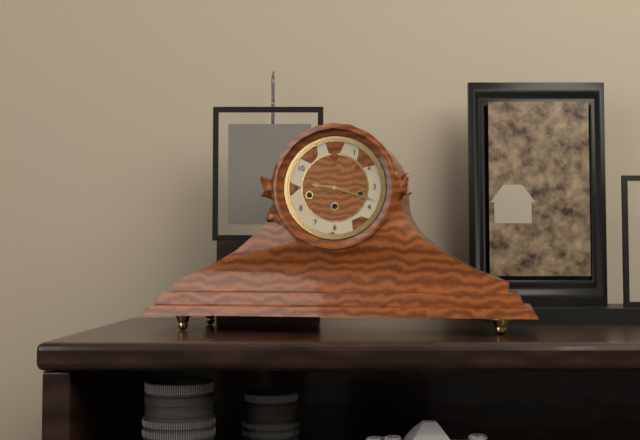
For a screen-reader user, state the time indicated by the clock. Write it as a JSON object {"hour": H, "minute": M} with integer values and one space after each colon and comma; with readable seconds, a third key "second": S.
{"hour": 9, "minute": 18}
